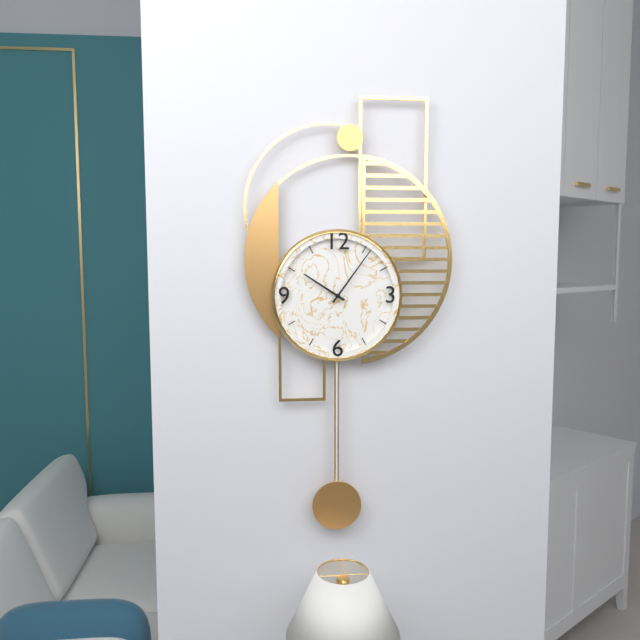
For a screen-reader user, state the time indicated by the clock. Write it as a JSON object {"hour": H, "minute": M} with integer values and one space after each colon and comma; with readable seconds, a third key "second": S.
{"hour": 10, "minute": 6}
